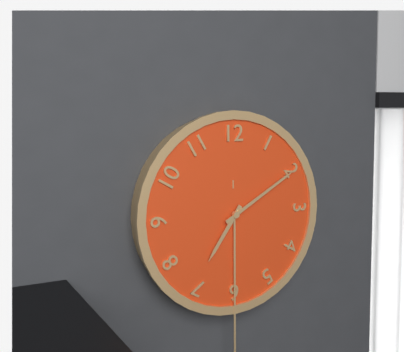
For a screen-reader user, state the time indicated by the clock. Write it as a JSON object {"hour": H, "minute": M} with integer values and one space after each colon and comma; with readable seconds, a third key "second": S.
{"hour": 7, "minute": 10}
